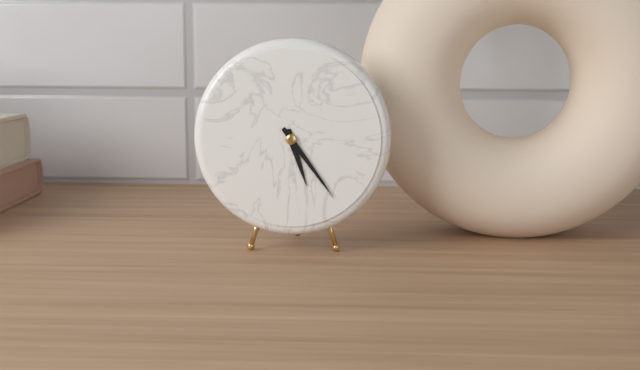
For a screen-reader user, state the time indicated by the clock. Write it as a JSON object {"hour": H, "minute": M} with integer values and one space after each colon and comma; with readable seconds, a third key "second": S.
{"hour": 5, "minute": 24}
